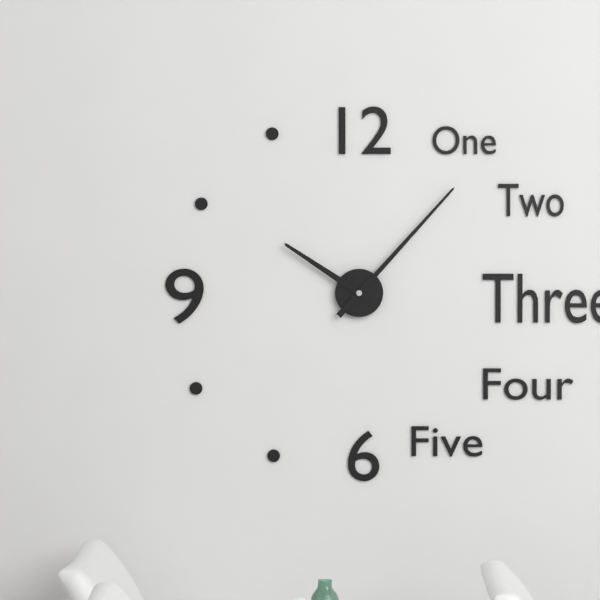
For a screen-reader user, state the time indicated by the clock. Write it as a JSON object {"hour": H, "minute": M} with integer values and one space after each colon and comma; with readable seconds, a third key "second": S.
{"hour": 10, "minute": 7}
